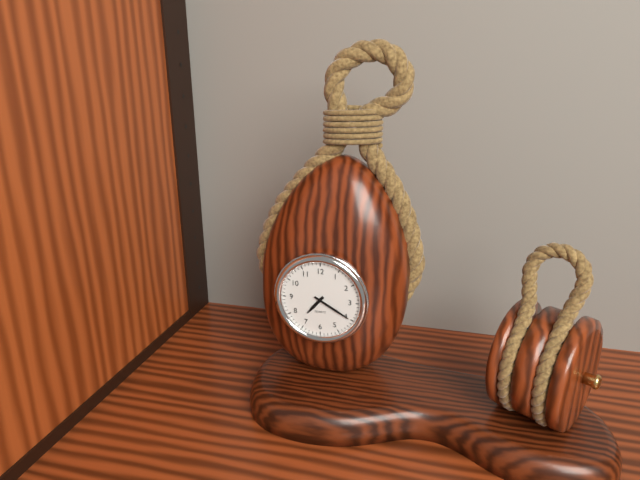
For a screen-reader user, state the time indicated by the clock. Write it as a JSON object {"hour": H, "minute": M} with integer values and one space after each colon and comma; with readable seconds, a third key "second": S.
{"hour": 7, "minute": 20}
